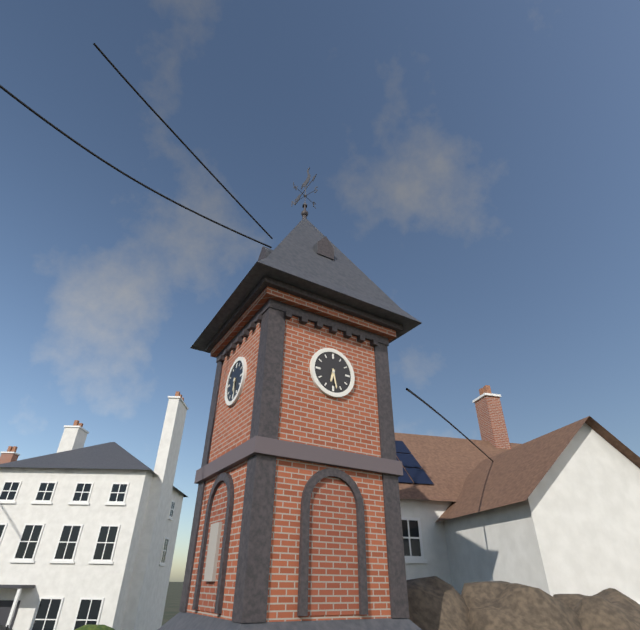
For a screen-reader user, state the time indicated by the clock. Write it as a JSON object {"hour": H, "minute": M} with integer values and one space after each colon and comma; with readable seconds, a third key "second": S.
{"hour": 6, "minute": 28}
